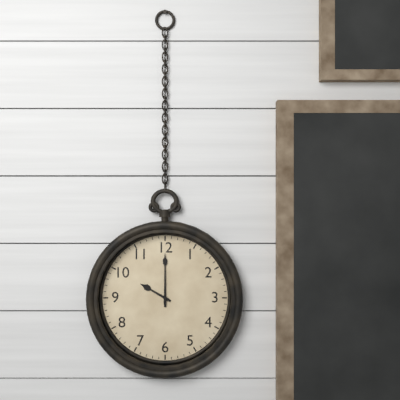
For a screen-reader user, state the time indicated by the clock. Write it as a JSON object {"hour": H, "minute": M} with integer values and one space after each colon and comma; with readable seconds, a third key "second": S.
{"hour": 10, "minute": 0}
